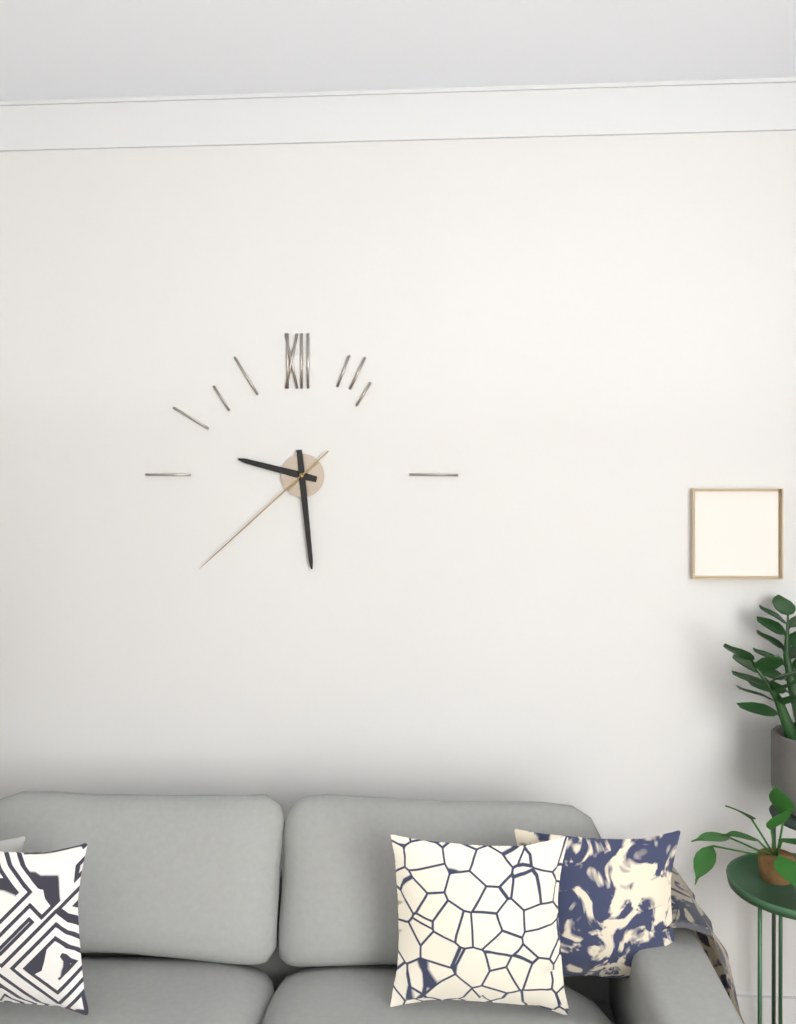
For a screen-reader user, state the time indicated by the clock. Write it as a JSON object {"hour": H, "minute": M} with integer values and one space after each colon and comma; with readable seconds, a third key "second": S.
{"hour": 9, "minute": 29, "second": 38}
